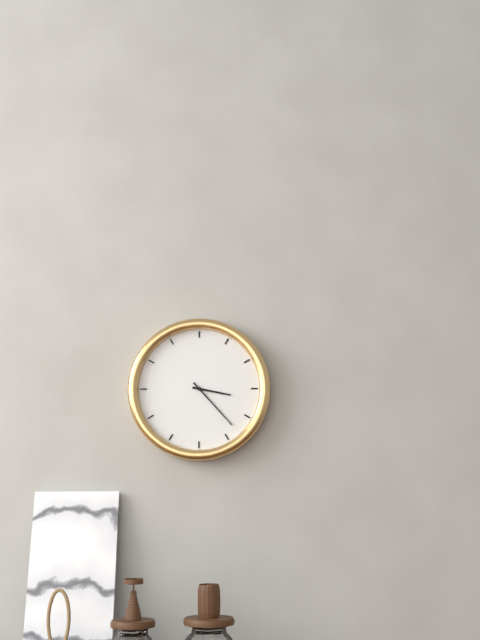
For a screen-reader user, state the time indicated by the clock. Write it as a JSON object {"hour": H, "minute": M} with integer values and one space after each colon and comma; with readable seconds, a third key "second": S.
{"hour": 3, "minute": 23}
